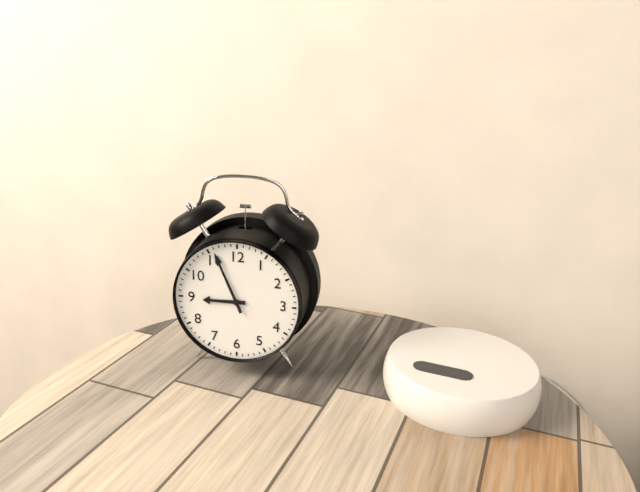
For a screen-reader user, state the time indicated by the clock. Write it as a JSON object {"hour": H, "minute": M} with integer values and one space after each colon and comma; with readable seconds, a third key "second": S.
{"hour": 8, "minute": 56}
